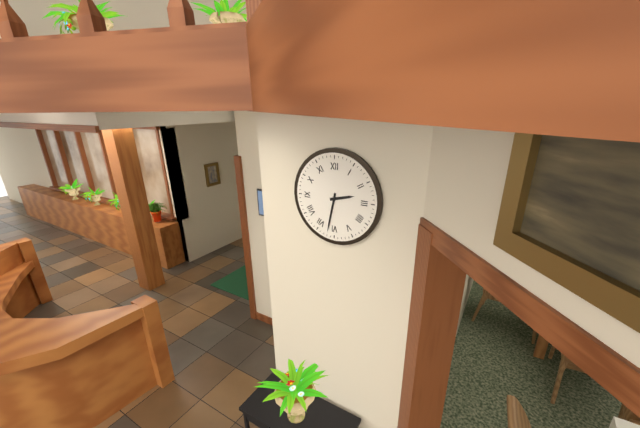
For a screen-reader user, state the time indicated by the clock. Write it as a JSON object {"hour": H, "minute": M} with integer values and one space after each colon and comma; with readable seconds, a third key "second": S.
{"hour": 2, "minute": 32}
